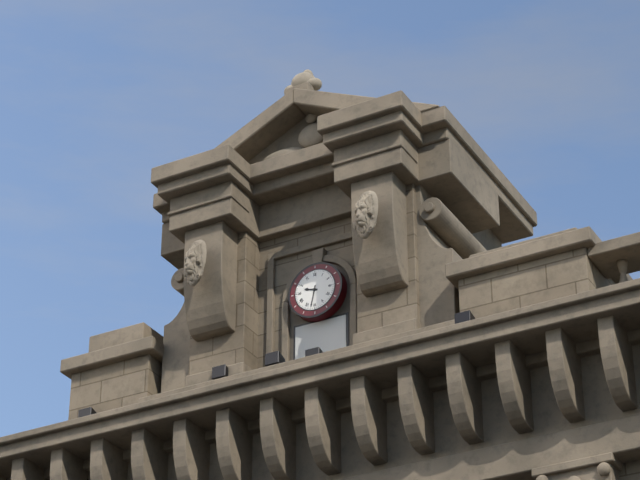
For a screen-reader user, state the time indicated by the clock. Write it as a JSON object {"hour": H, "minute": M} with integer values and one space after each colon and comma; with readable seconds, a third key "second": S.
{"hour": 9, "minute": 32}
